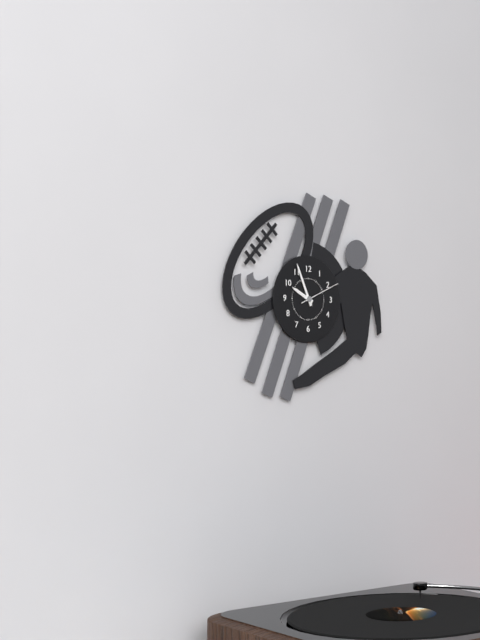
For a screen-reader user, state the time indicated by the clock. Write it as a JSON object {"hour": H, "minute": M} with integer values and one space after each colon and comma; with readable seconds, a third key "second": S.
{"hour": 9, "minute": 56}
